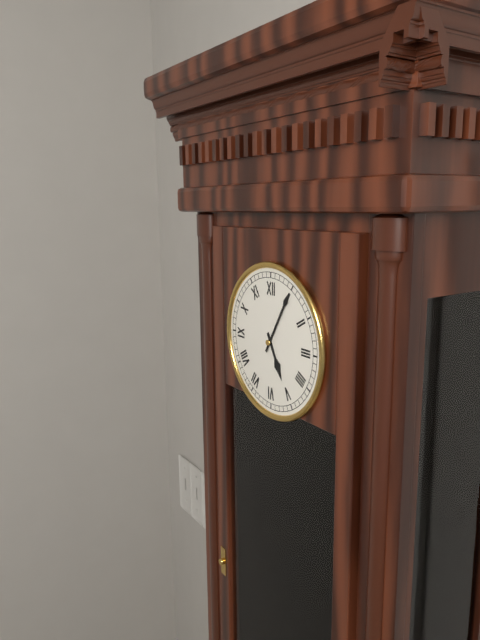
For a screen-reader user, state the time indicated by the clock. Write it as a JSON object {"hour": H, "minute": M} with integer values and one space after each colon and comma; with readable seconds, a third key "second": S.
{"hour": 5, "minute": 5}
